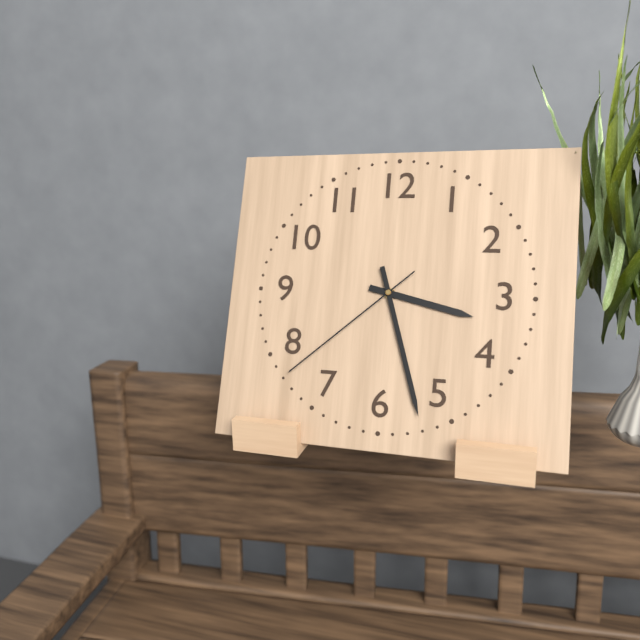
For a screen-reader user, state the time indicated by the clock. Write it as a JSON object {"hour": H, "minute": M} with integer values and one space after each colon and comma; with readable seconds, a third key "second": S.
{"hour": 3, "minute": 27, "second": 38}
